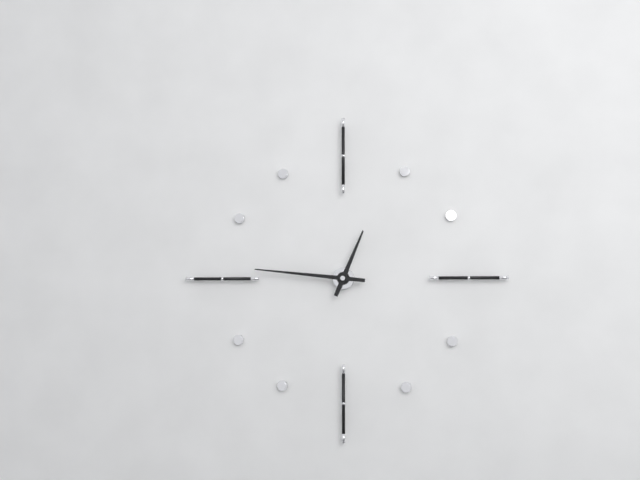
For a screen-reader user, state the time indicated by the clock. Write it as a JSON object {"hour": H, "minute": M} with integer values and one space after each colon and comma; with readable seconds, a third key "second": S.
{"hour": 12, "minute": 46}
